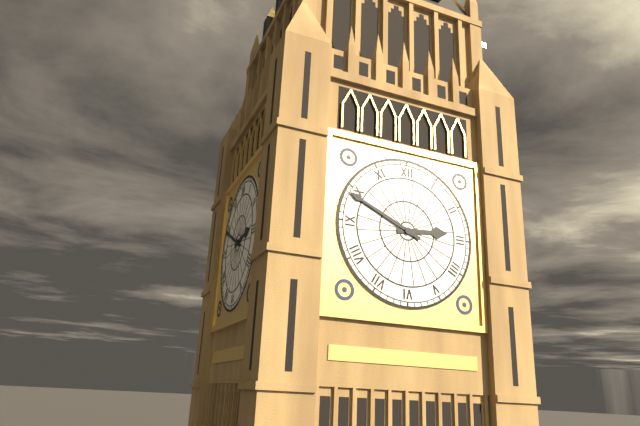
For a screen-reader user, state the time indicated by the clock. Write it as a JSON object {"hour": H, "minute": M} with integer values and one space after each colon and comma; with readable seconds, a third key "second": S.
{"hour": 2, "minute": 49}
